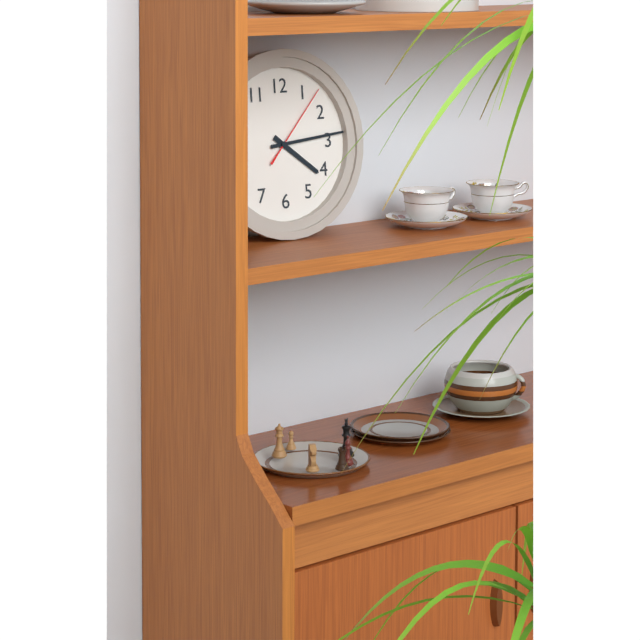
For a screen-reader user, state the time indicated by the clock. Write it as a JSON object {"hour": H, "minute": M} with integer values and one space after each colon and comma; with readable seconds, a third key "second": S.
{"hour": 4, "minute": 14, "second": 7}
